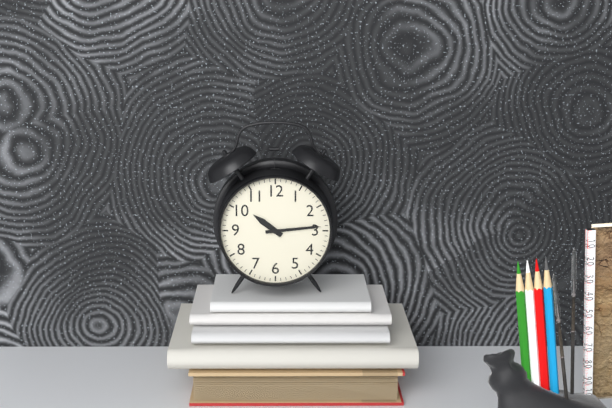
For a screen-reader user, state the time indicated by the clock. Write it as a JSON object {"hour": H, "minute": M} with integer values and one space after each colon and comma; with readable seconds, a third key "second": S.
{"hour": 10, "minute": 14}
